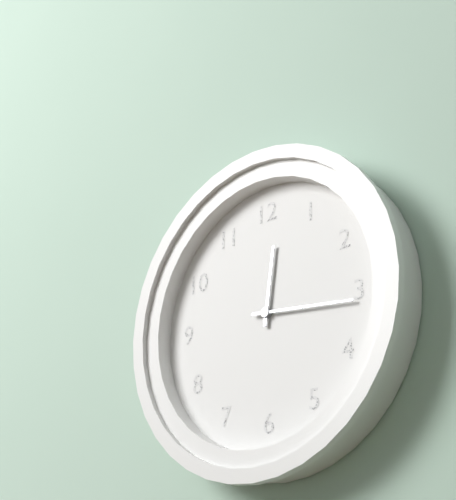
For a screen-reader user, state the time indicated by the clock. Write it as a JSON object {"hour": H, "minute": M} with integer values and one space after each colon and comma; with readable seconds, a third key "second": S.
{"hour": 12, "minute": 16}
